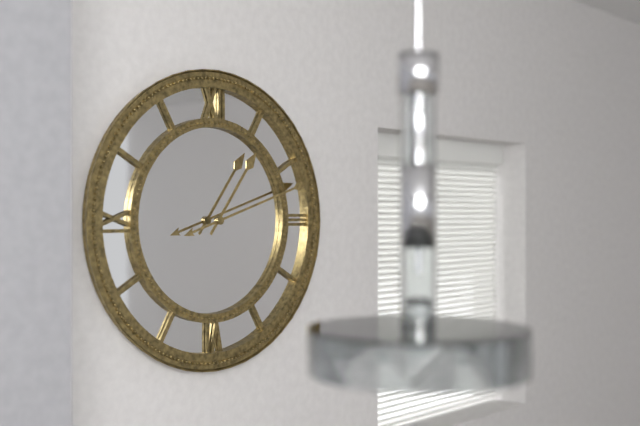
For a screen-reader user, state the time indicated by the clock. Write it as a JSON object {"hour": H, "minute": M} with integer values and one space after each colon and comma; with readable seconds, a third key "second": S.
{"hour": 1, "minute": 12}
